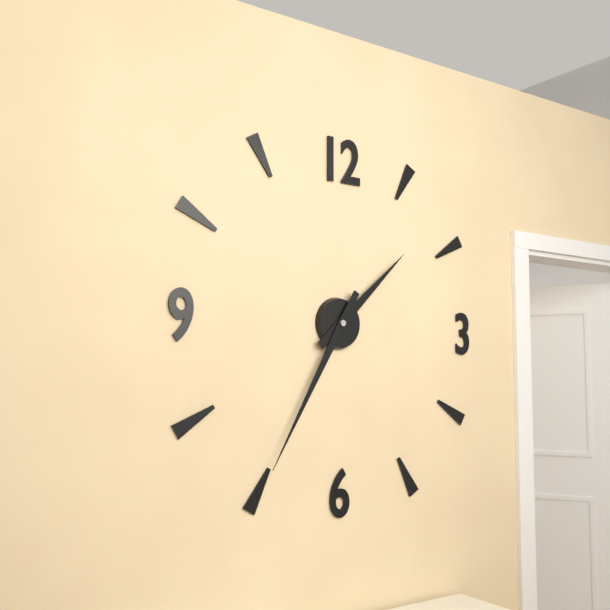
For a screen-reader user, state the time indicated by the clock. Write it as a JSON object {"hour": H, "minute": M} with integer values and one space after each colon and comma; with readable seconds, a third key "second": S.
{"hour": 1, "minute": 35}
